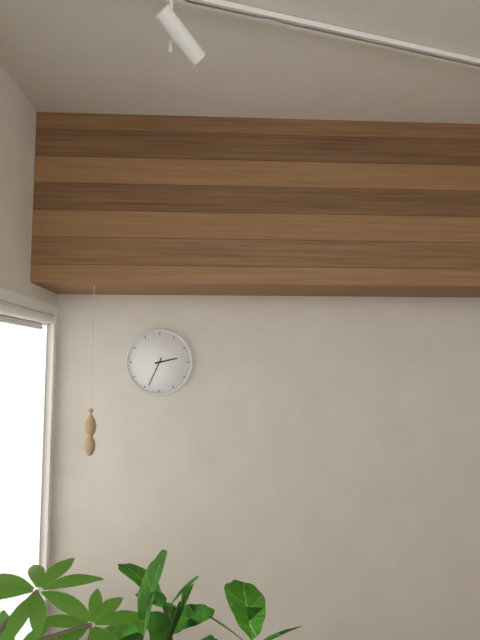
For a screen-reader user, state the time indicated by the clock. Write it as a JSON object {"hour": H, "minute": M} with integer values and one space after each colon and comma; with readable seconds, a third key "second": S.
{"hour": 2, "minute": 34}
